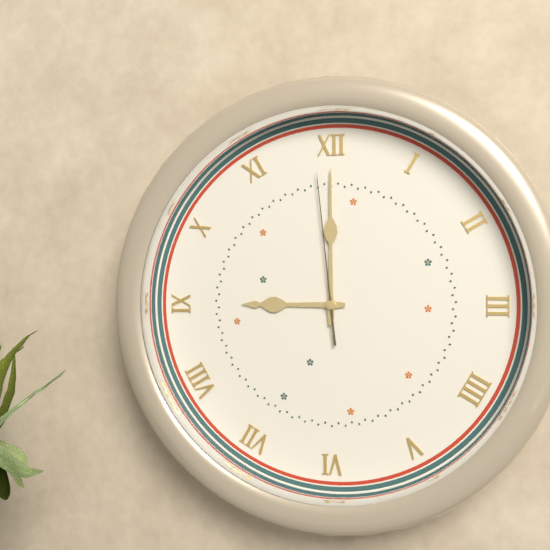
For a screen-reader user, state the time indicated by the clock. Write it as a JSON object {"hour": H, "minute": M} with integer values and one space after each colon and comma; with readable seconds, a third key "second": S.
{"hour": 9, "minute": 0, "second": 59}
